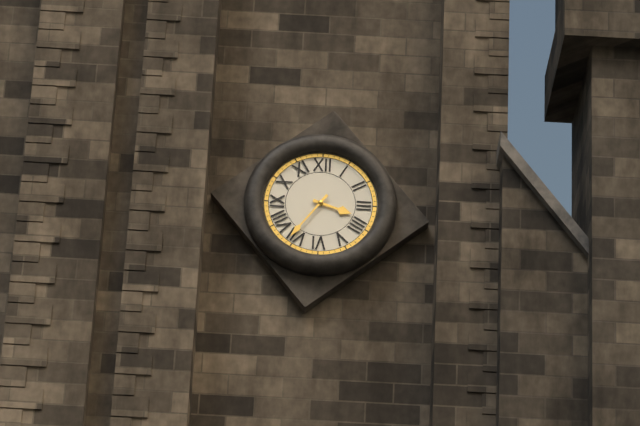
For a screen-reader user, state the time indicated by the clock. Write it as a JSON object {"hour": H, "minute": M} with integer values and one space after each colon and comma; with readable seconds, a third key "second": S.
{"hour": 3, "minute": 36}
